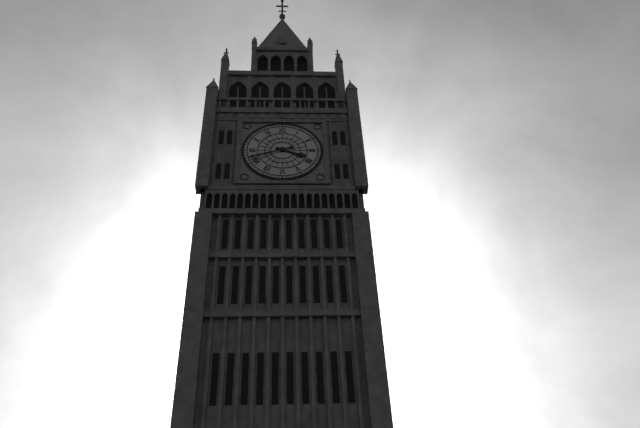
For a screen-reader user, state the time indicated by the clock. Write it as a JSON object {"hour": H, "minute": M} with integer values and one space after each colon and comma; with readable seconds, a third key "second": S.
{"hour": 3, "minute": 42}
